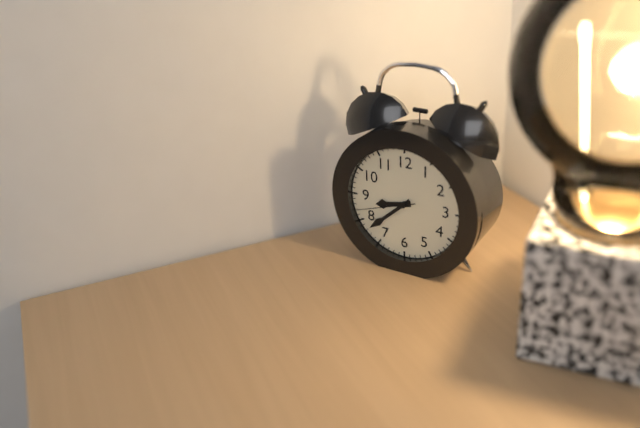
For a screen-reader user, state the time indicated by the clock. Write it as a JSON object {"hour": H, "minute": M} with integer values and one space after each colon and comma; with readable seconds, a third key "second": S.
{"hour": 8, "minute": 38, "second": 42}
